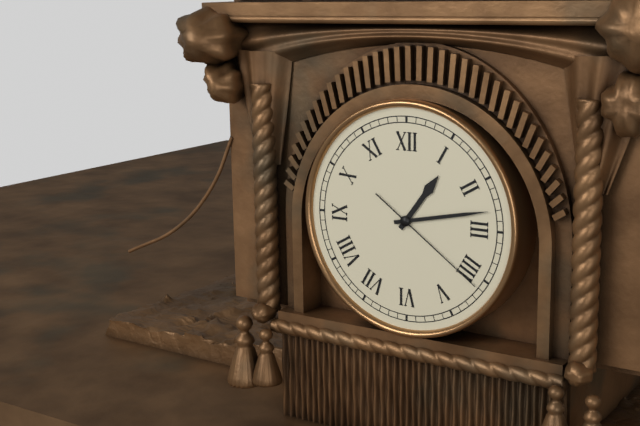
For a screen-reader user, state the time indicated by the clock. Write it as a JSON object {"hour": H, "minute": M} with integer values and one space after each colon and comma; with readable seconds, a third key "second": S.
{"hour": 1, "minute": 13, "second": 21}
